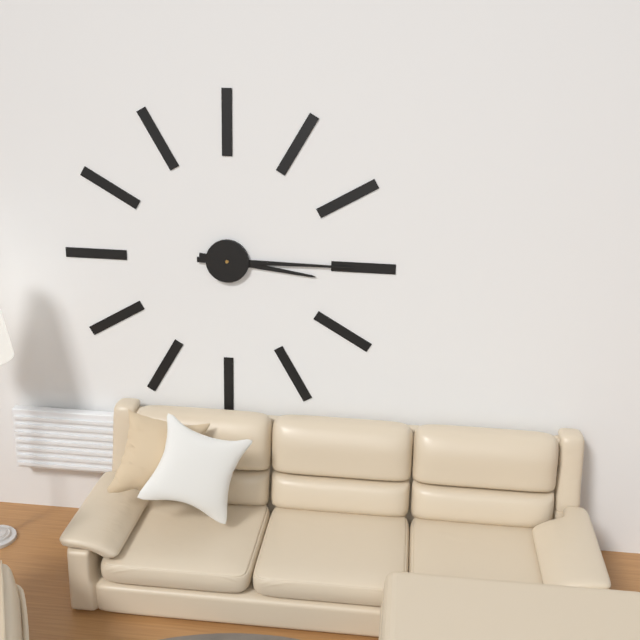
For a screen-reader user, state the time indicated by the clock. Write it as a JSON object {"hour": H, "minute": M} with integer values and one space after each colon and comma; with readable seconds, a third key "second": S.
{"hour": 3, "minute": 15}
